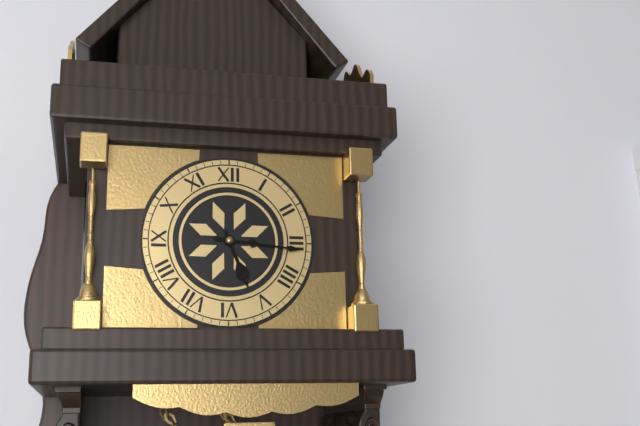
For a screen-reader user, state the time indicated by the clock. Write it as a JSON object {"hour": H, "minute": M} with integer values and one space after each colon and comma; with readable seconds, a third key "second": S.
{"hour": 5, "minute": 16}
